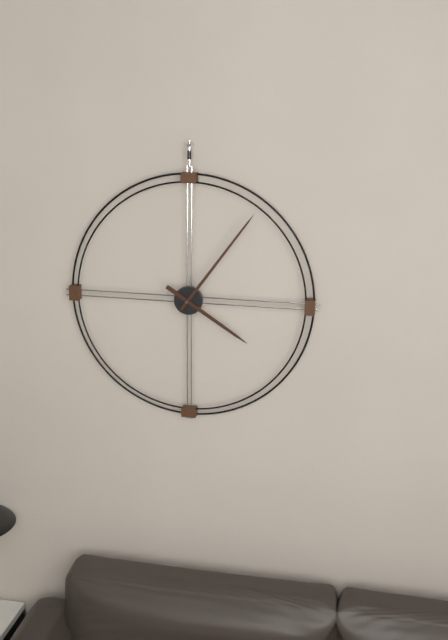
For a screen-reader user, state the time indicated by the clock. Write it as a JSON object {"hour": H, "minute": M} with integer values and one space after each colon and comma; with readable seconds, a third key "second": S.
{"hour": 4, "minute": 6}
